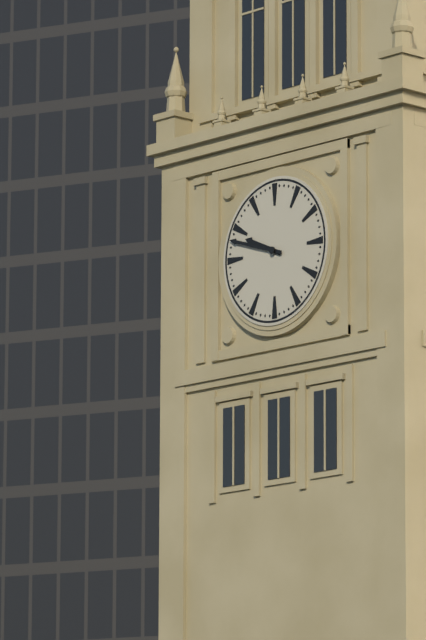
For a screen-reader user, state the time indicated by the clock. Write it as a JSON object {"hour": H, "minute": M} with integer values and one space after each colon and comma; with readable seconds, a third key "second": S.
{"hour": 9, "minute": 48}
